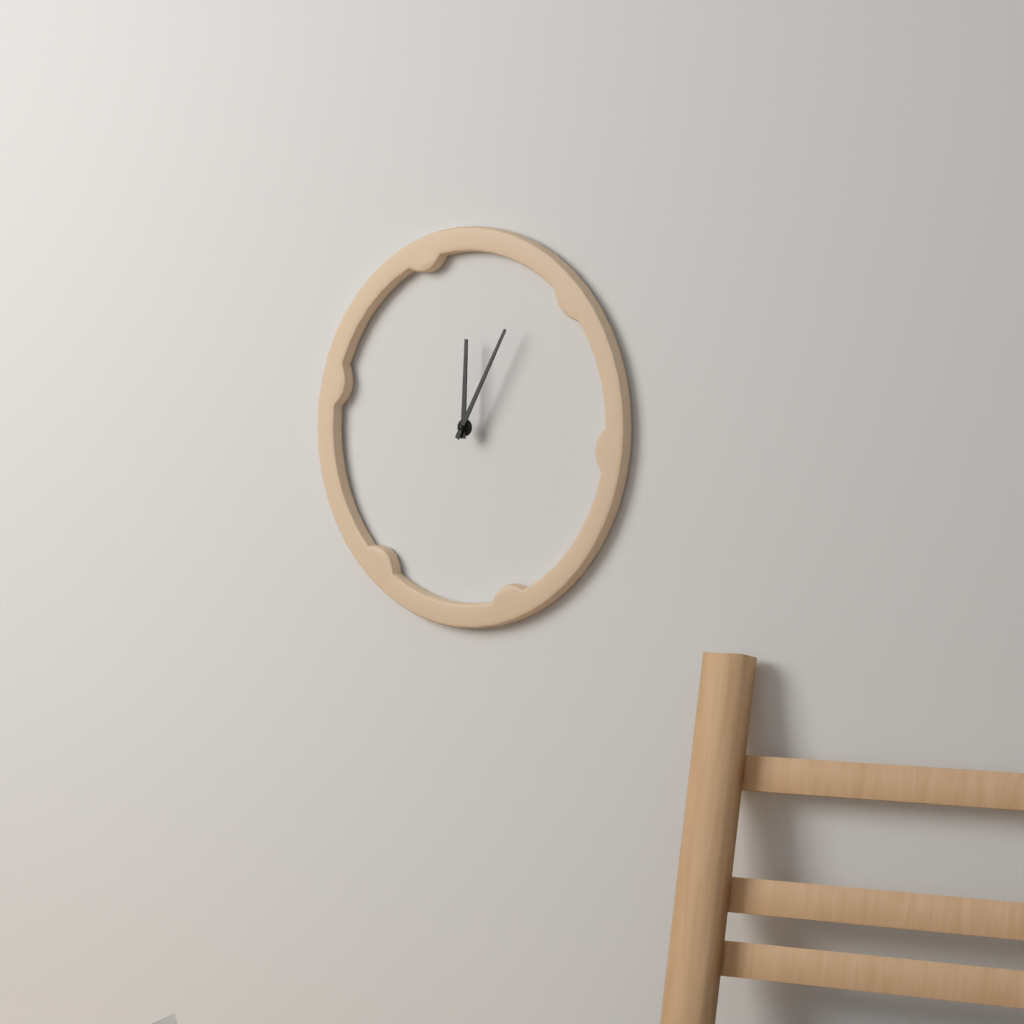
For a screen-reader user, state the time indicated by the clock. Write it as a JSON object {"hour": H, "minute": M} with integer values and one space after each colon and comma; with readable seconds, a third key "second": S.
{"hour": 12, "minute": 5}
